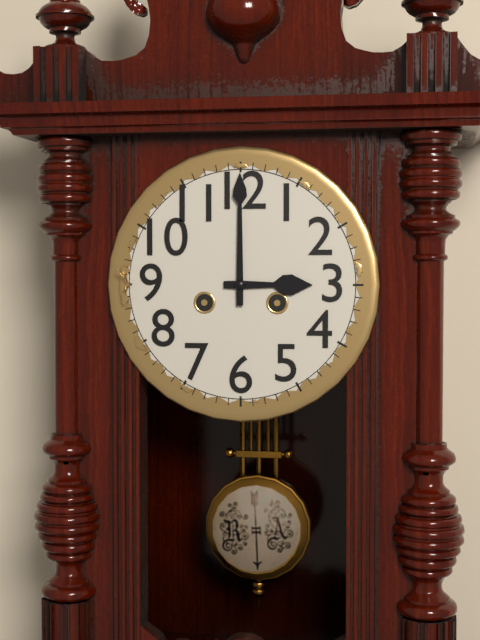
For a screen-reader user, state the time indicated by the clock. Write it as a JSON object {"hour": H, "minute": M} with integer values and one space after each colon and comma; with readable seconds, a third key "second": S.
{"hour": 3, "minute": 0}
